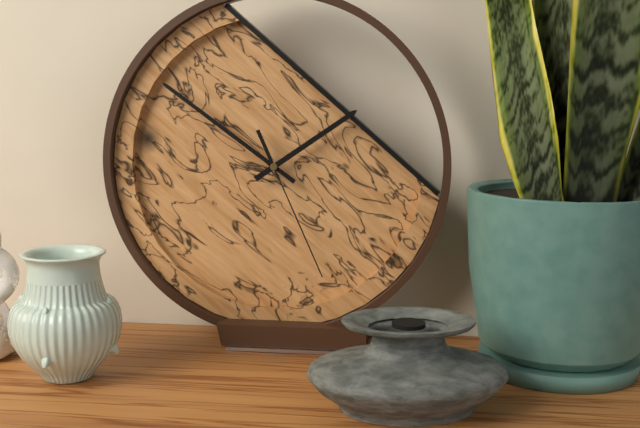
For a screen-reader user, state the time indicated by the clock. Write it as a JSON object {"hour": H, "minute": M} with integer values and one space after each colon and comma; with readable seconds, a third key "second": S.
{"hour": 1, "minute": 51, "second": 26}
